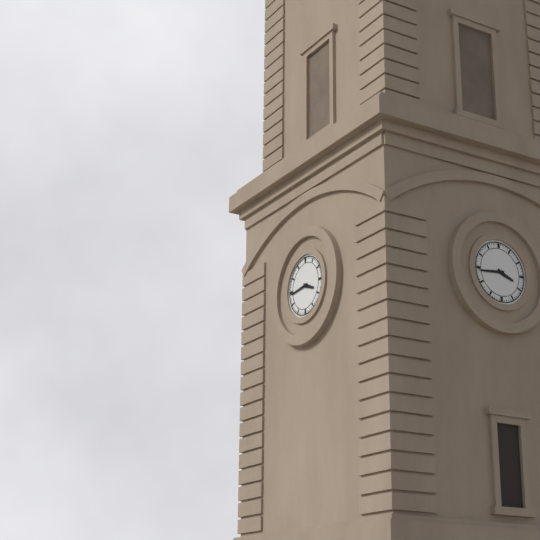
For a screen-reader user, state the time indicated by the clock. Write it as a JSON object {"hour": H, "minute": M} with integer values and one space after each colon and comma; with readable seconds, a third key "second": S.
{"hour": 3, "minute": 44}
